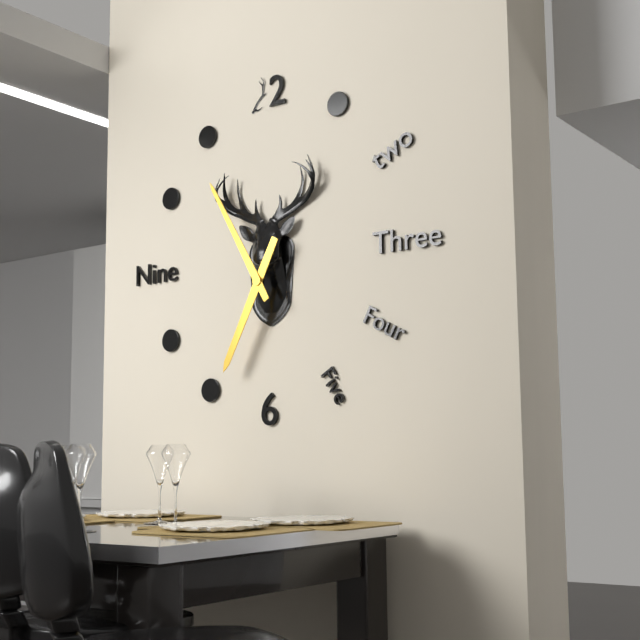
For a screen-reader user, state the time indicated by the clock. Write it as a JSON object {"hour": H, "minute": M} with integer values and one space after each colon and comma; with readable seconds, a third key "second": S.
{"hour": 6, "minute": 55}
